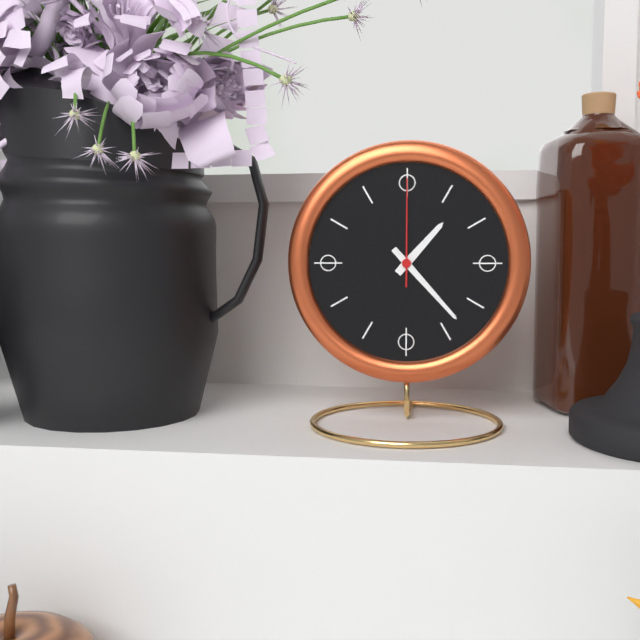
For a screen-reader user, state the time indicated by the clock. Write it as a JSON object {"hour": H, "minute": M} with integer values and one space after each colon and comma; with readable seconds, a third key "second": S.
{"hour": 1, "minute": 23, "second": 0}
